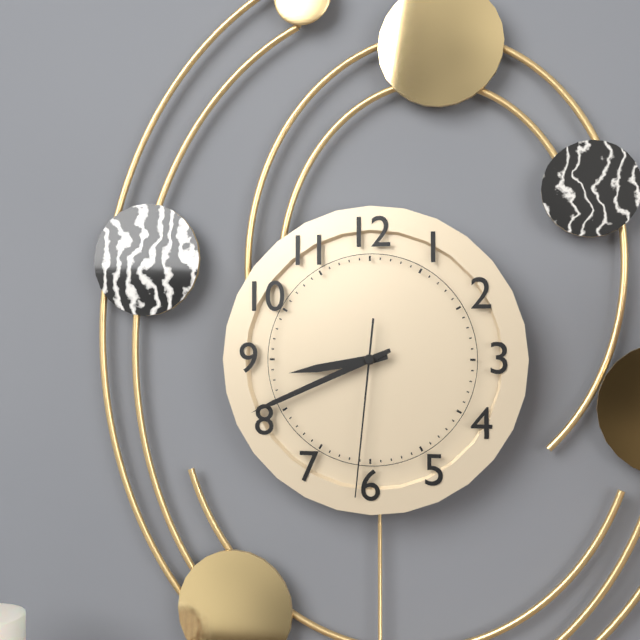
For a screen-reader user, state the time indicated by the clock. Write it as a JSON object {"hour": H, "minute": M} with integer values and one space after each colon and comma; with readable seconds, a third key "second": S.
{"hour": 8, "minute": 41, "second": 31}
